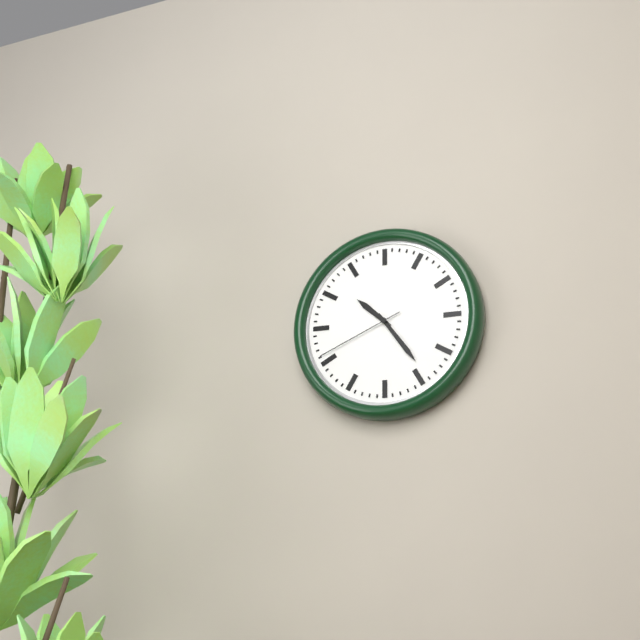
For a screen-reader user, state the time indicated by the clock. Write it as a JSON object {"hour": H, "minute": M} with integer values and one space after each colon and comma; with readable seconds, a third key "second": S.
{"hour": 10, "minute": 24, "second": 41}
